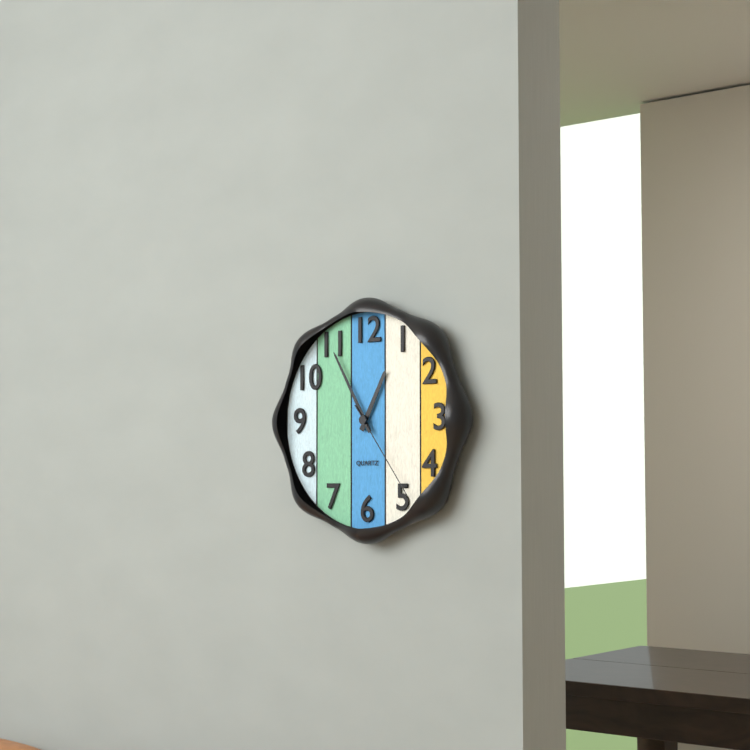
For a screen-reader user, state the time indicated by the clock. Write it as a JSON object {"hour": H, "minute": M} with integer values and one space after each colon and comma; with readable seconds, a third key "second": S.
{"hour": 12, "minute": 55, "second": 24}
